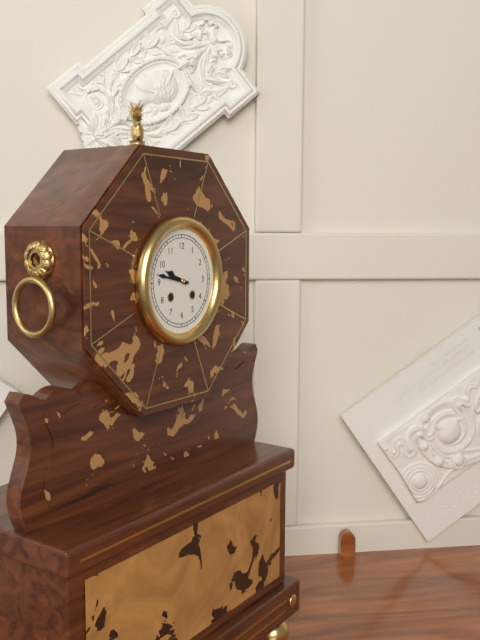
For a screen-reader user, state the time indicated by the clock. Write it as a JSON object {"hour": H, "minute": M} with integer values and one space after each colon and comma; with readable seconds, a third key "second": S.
{"hour": 9, "minute": 47}
